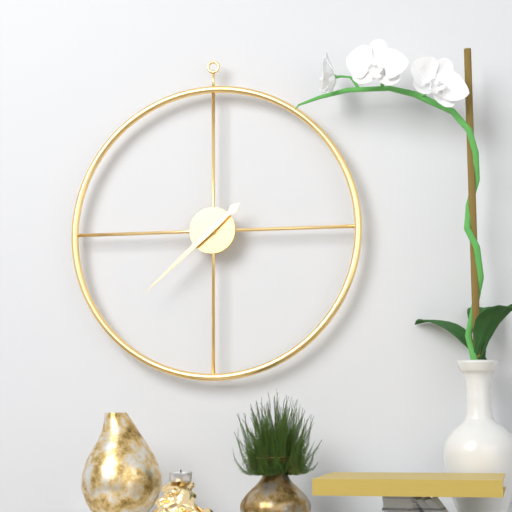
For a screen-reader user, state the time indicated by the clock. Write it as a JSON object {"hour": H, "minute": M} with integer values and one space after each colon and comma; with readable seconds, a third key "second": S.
{"hour": 7, "minute": 38}
